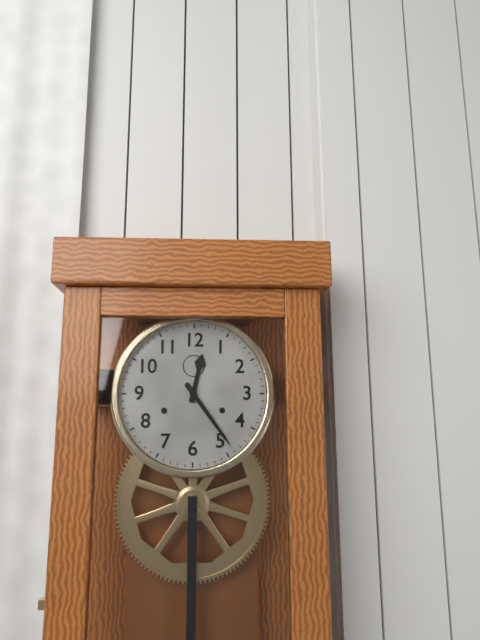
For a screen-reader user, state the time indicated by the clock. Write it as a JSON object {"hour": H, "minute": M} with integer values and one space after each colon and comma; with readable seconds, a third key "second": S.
{"hour": 12, "minute": 24}
